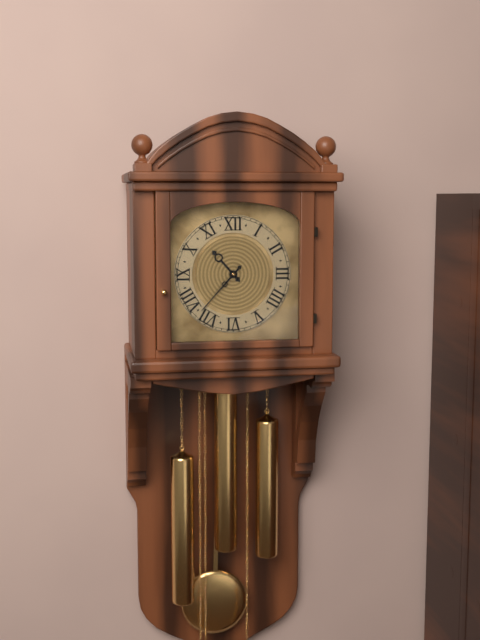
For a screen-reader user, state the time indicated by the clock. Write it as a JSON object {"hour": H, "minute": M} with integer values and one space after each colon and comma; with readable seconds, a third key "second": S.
{"hour": 10, "minute": 37}
